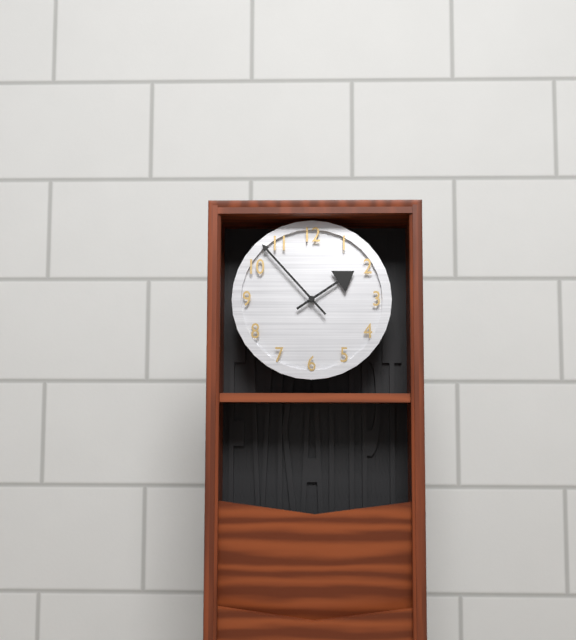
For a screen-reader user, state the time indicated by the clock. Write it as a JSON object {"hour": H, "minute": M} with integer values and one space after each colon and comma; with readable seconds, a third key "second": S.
{"hour": 1, "minute": 53}
